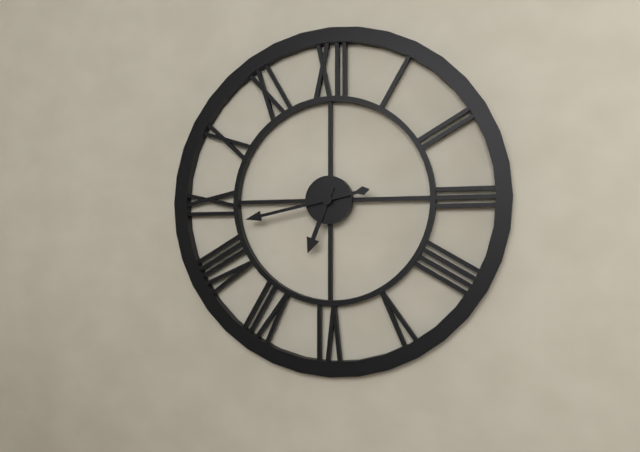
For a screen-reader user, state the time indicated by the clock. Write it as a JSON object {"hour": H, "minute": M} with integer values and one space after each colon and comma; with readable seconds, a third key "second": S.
{"hour": 6, "minute": 43}
